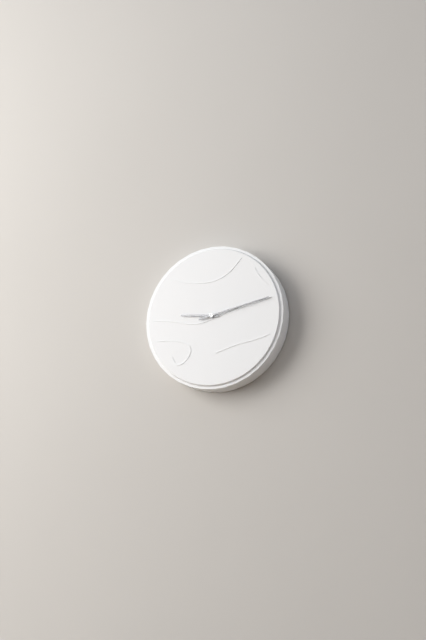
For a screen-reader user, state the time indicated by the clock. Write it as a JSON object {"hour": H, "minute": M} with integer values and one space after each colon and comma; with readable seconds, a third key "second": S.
{"hour": 9, "minute": 13}
